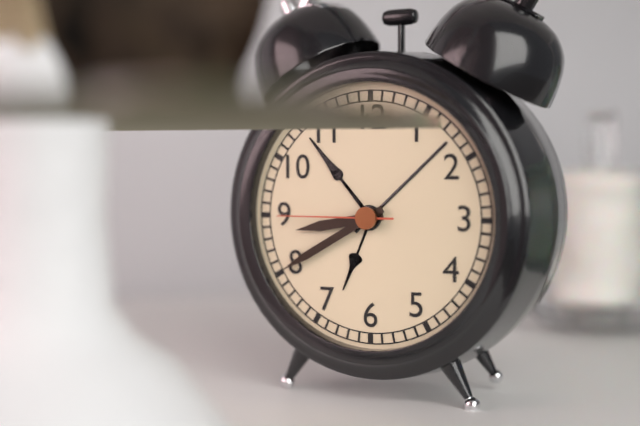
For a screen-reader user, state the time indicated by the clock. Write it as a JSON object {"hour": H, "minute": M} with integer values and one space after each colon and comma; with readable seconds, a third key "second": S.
{"hour": 8, "minute": 40, "second": 45}
